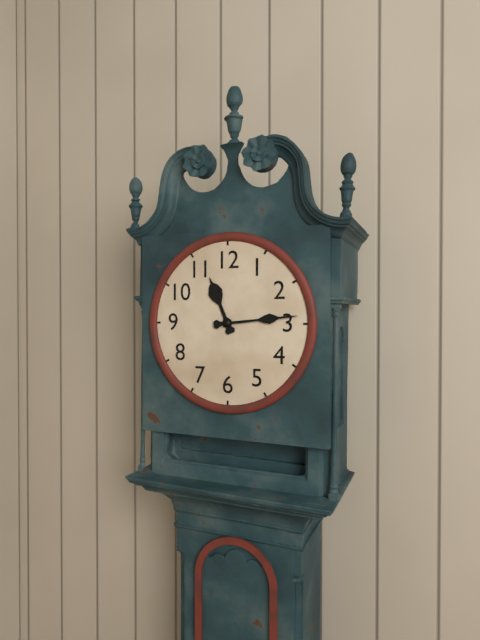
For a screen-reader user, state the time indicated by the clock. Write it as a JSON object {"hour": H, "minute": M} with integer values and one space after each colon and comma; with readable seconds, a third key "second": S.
{"hour": 11, "minute": 14}
